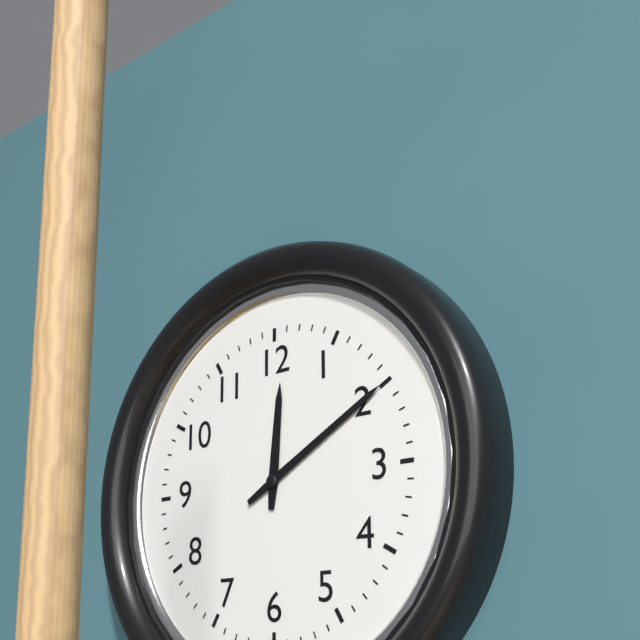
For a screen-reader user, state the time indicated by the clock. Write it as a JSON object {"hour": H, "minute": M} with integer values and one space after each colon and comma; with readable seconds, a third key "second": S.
{"hour": 12, "minute": 10}
